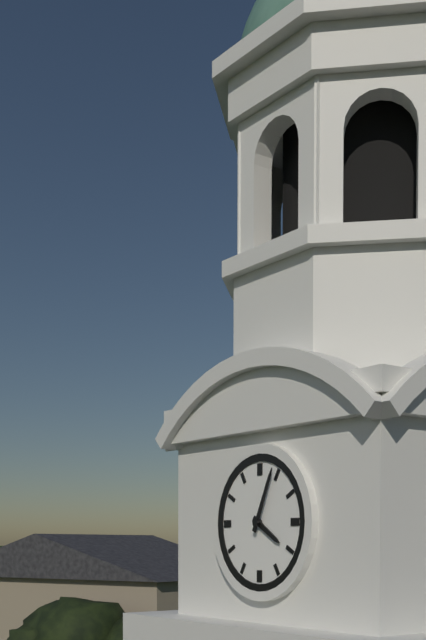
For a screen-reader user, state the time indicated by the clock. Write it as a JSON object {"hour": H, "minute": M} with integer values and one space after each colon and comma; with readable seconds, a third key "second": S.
{"hour": 4, "minute": 4}
